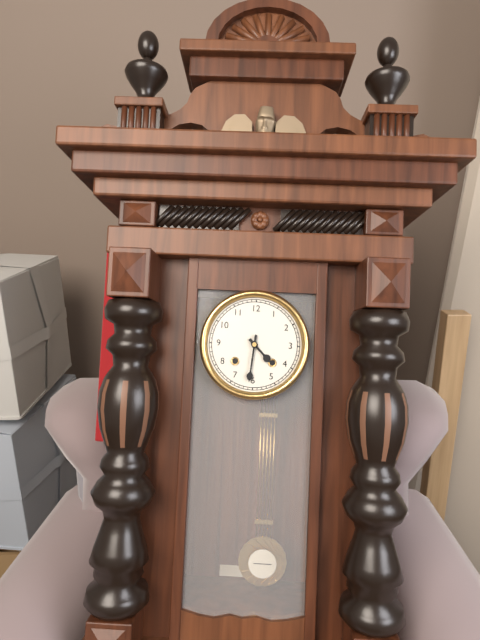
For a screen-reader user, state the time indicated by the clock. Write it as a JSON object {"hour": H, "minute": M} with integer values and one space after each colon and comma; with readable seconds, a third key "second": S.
{"hour": 4, "minute": 31}
